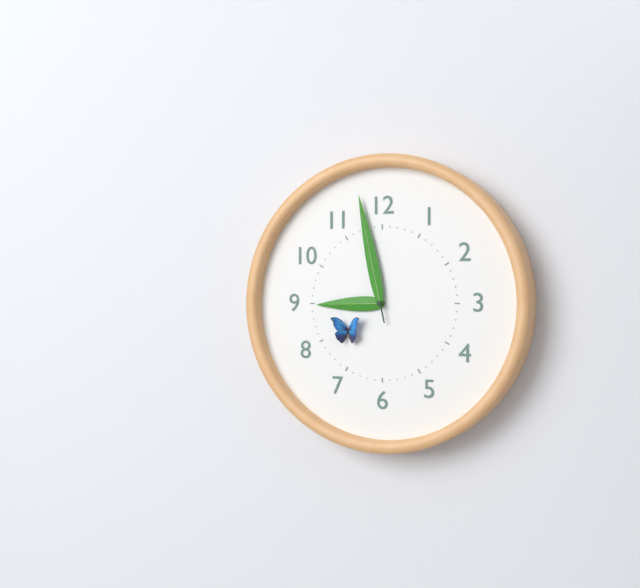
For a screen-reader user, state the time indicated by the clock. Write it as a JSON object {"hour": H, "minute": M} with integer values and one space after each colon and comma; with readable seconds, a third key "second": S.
{"hour": 8, "minute": 58}
